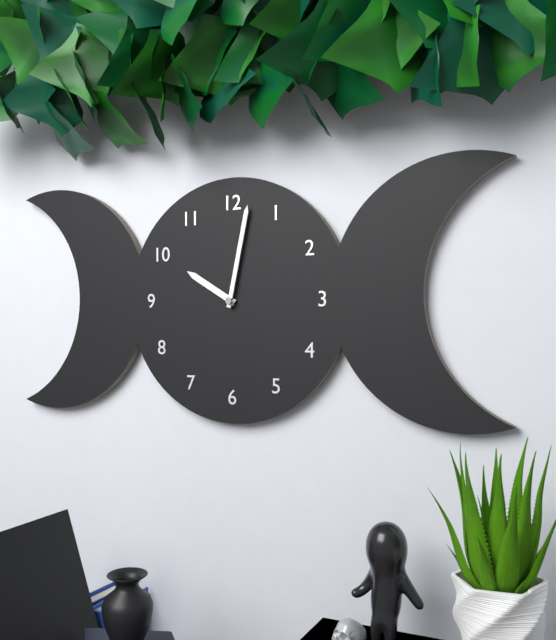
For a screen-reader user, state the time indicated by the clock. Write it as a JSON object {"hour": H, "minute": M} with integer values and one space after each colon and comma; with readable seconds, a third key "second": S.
{"hour": 10, "minute": 2}
